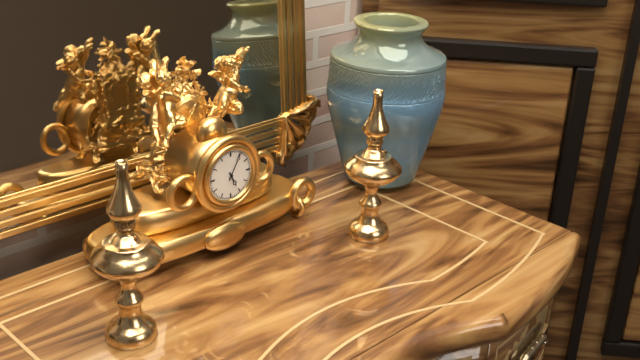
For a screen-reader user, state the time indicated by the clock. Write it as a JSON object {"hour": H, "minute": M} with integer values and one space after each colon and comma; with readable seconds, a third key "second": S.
{"hour": 5, "minute": 5}
